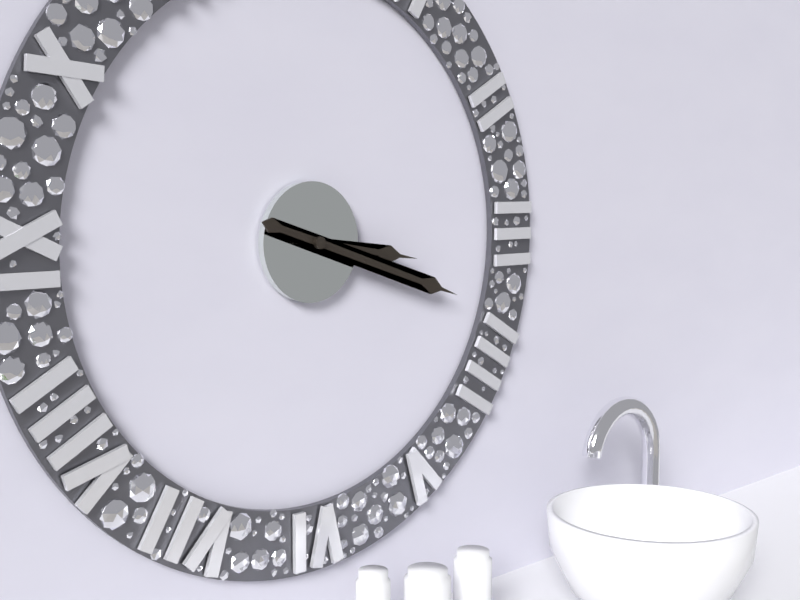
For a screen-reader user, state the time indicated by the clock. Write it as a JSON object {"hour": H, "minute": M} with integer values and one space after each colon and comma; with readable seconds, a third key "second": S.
{"hour": 3, "minute": 18}
